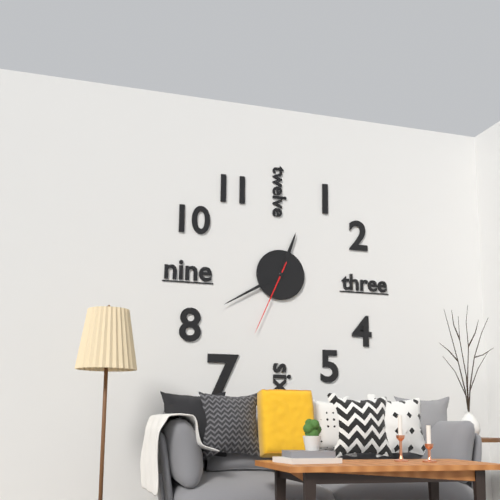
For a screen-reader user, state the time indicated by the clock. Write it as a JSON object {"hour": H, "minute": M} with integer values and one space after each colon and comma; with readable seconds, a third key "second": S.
{"hour": 12, "minute": 40, "second": 34}
